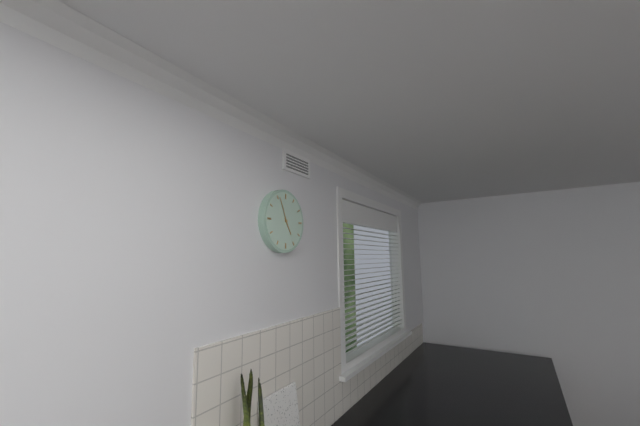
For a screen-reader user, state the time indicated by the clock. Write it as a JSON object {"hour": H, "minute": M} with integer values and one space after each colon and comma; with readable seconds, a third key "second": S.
{"hour": 4, "minute": 56}
